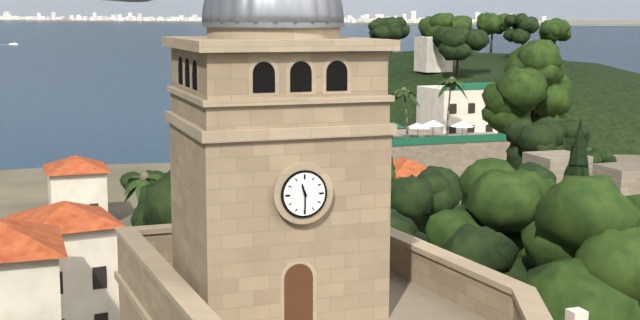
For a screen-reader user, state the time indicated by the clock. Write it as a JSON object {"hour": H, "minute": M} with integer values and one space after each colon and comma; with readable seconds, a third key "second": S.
{"hour": 11, "minute": 30}
